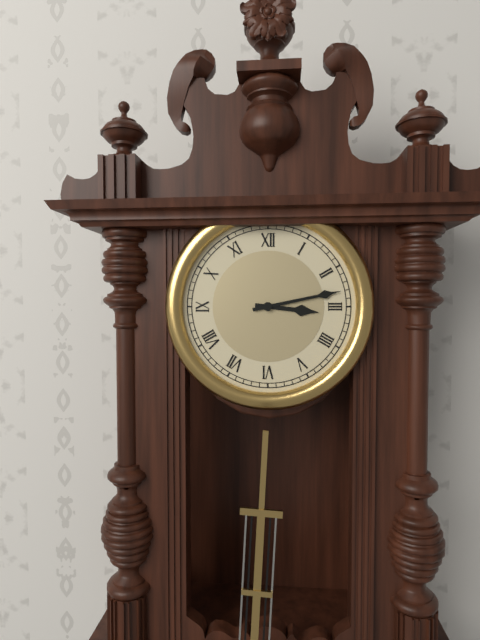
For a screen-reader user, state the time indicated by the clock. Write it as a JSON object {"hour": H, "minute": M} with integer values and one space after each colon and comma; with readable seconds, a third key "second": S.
{"hour": 3, "minute": 13}
